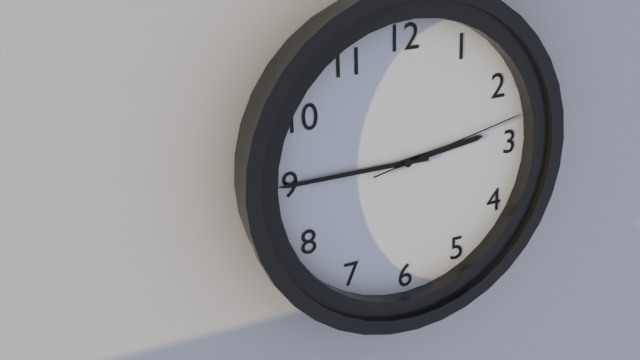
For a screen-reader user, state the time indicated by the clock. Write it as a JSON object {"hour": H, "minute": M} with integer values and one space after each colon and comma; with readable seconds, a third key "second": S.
{"hour": 2, "minute": 45, "second": 13}
